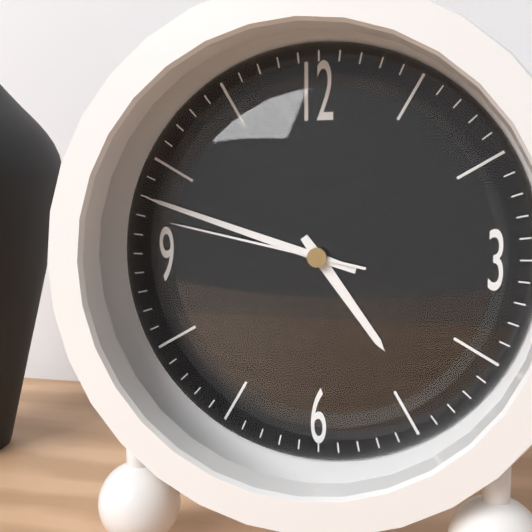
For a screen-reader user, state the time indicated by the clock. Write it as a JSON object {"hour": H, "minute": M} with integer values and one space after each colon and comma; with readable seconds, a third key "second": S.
{"hour": 4, "minute": 48, "second": 47}
